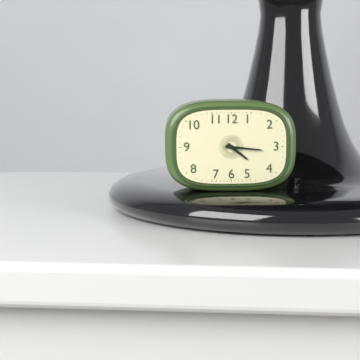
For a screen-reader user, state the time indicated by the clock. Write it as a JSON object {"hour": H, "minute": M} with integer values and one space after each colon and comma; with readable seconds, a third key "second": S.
{"hour": 4, "minute": 16}
